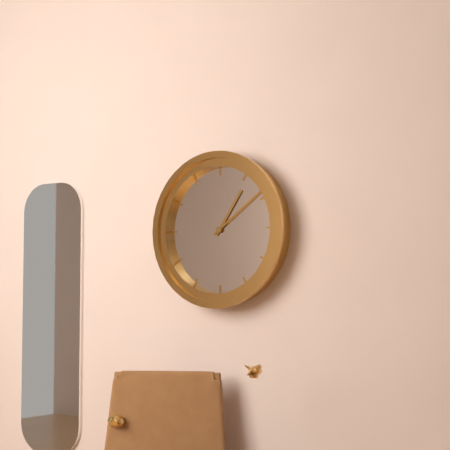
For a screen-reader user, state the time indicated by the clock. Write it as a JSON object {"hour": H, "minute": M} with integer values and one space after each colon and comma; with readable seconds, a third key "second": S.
{"hour": 1, "minute": 9}
